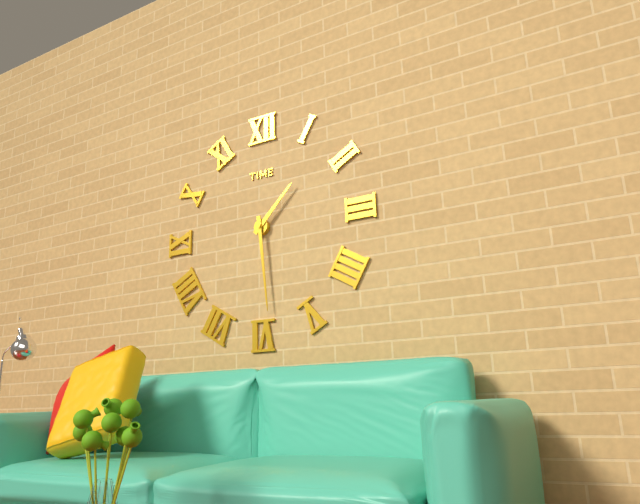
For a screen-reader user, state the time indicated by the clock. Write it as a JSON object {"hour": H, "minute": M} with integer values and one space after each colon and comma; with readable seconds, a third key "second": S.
{"hour": 1, "minute": 29}
